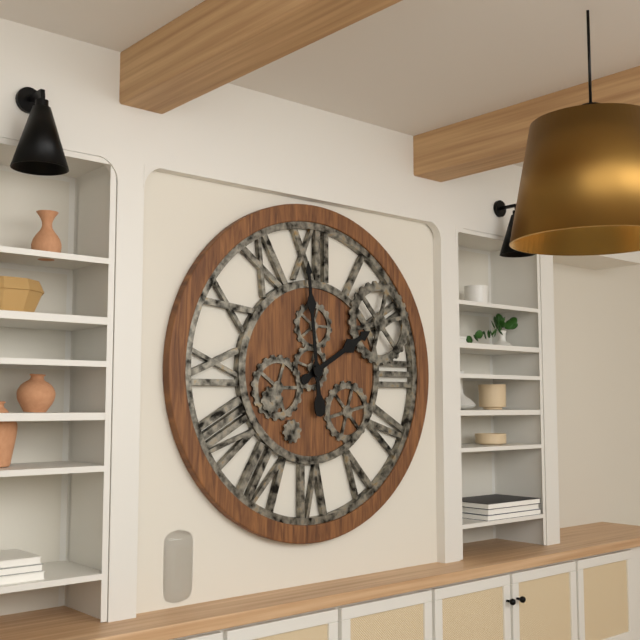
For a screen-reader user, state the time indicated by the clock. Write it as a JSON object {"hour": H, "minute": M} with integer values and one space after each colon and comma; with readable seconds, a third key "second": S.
{"hour": 1, "minute": 59}
